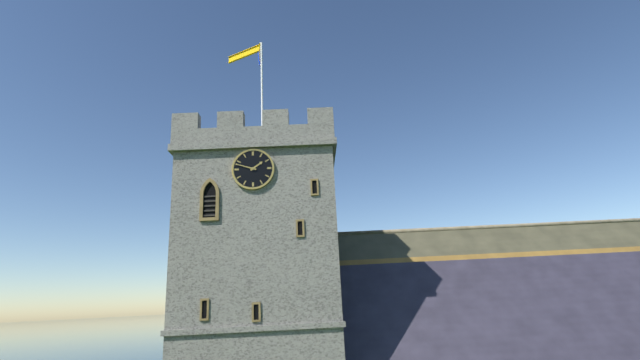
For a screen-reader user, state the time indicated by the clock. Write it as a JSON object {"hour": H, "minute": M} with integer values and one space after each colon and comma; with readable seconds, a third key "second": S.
{"hour": 1, "minute": 48}
